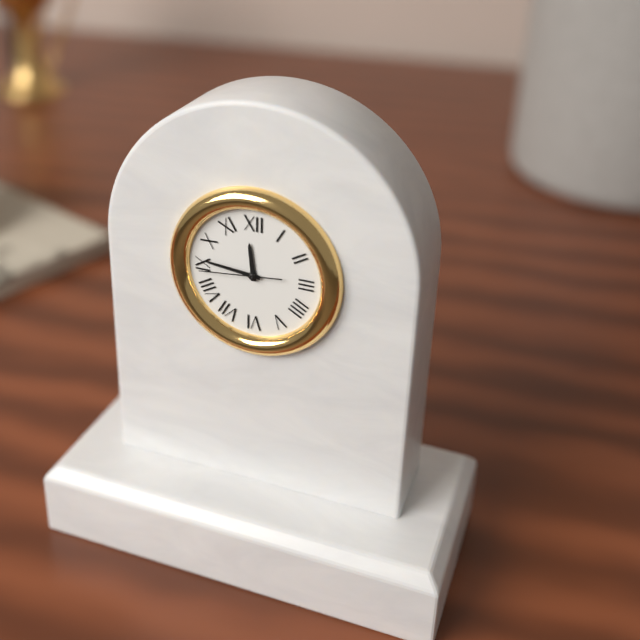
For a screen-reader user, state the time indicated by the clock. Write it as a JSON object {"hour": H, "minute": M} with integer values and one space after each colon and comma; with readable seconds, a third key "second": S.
{"hour": 11, "minute": 46, "second": 44}
